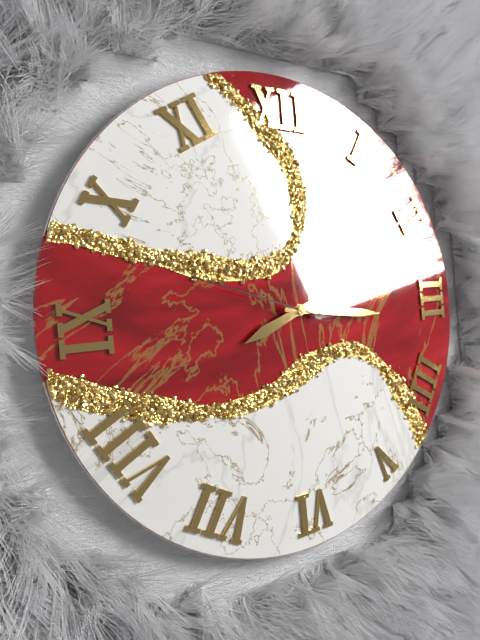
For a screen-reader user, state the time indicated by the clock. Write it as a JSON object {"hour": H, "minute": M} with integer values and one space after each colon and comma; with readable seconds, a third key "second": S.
{"hour": 8, "minute": 16, "second": 48}
